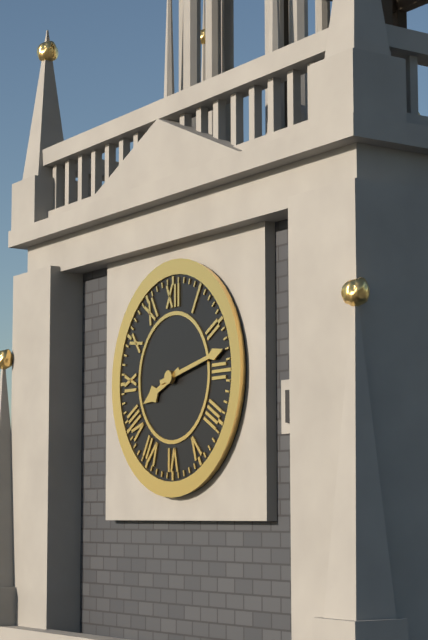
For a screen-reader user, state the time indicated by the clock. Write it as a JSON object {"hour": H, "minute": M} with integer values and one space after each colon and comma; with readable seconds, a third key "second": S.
{"hour": 8, "minute": 13}
